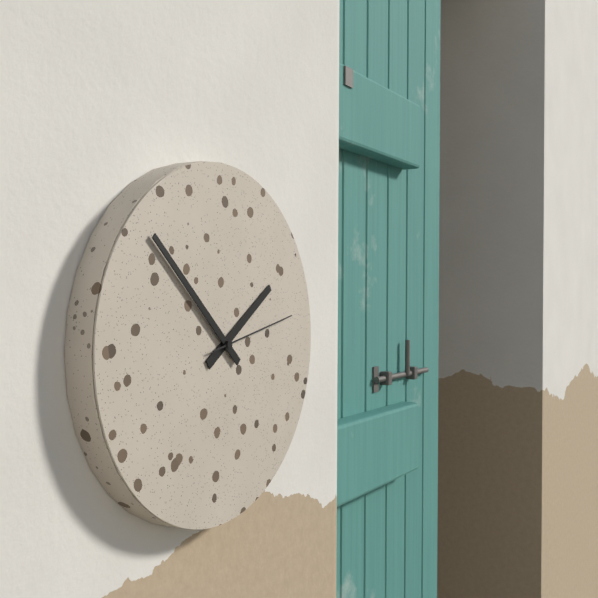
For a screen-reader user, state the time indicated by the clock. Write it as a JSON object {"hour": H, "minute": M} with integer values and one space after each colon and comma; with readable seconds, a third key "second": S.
{"hour": 1, "minute": 52, "second": 13}
